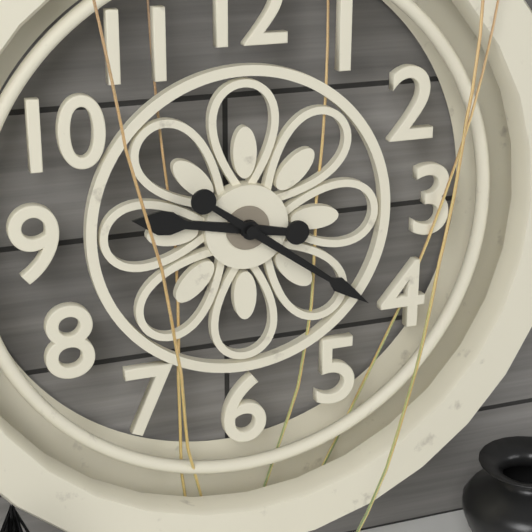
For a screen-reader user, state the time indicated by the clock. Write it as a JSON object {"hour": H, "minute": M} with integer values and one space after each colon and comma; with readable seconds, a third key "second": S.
{"hour": 9, "minute": 21}
